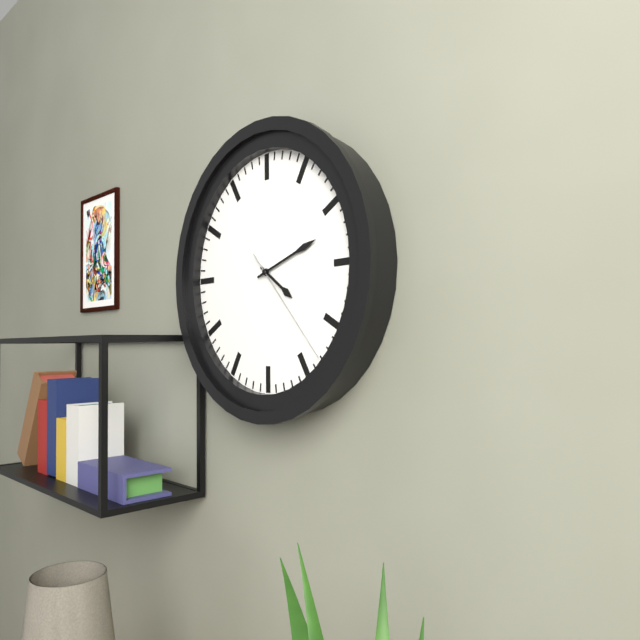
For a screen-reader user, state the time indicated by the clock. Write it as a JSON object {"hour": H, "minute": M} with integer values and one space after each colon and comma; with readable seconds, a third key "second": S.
{"hour": 4, "minute": 12, "second": 23}
